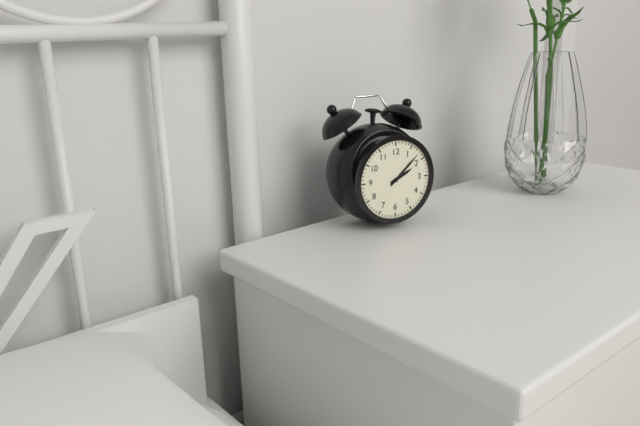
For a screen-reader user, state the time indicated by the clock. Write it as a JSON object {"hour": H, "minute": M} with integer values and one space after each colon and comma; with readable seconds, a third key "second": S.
{"hour": 2, "minute": 8}
